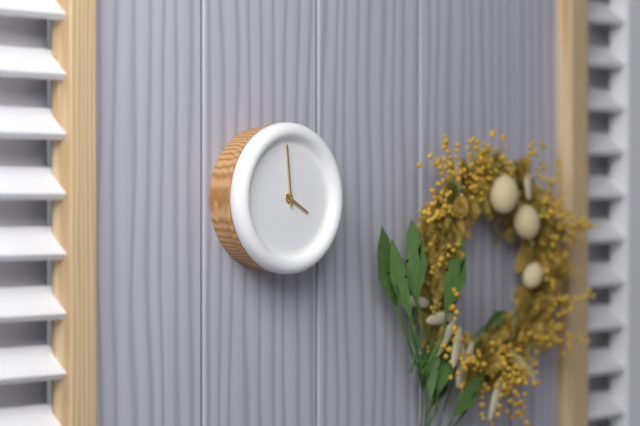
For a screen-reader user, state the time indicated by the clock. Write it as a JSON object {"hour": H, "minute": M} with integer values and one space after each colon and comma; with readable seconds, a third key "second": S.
{"hour": 3, "minute": 59}
